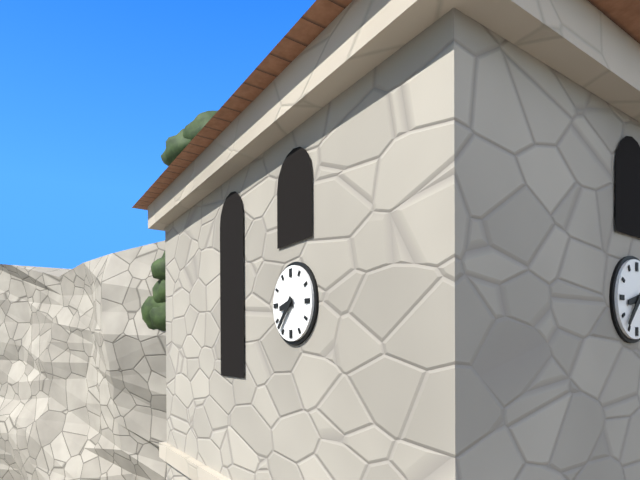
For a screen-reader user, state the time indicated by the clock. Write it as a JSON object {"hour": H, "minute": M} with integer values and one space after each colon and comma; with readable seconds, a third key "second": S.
{"hour": 8, "minute": 37}
